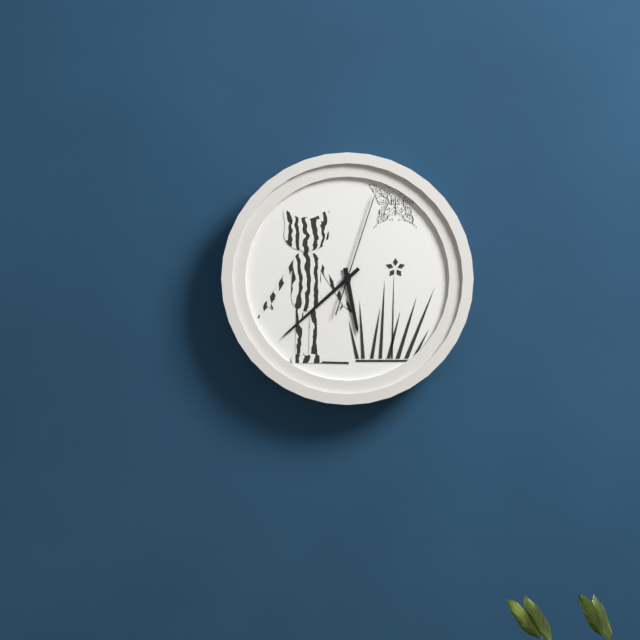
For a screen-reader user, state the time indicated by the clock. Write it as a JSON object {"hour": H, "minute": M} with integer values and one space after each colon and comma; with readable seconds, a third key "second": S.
{"hour": 5, "minute": 38, "second": 3}
